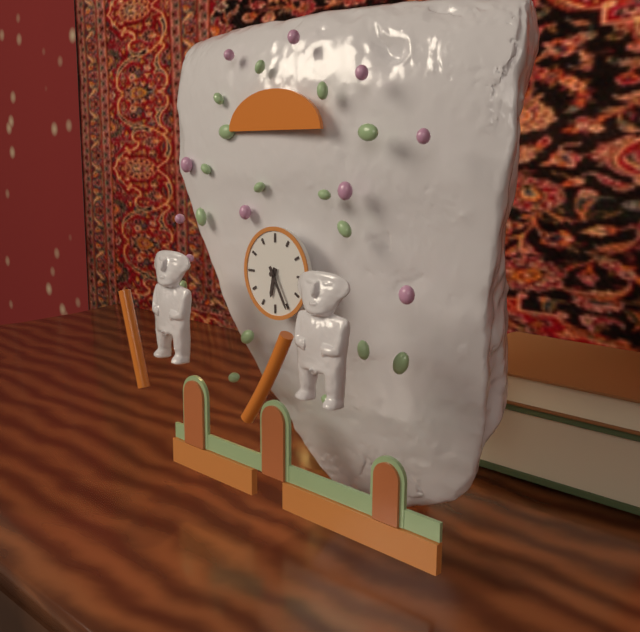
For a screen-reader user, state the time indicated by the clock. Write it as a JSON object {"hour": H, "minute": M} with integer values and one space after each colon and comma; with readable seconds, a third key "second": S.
{"hour": 6, "minute": 25}
